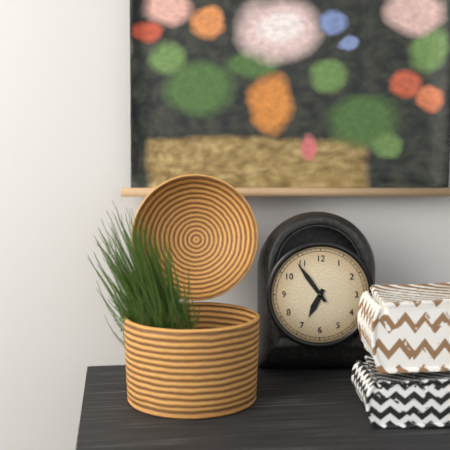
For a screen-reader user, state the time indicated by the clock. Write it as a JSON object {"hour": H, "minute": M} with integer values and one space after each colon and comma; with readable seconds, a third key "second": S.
{"hour": 6, "minute": 54}
